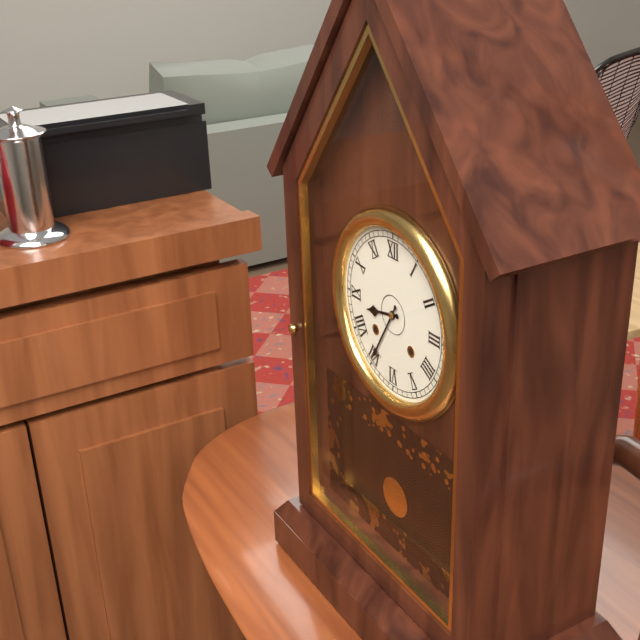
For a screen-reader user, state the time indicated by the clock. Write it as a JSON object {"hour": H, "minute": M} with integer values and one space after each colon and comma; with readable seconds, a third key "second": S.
{"hour": 8, "minute": 35}
